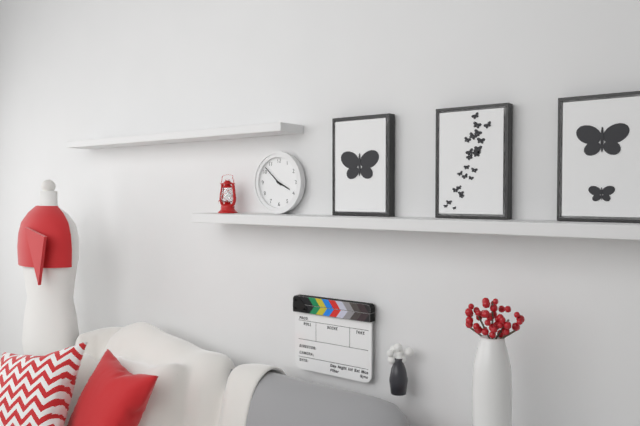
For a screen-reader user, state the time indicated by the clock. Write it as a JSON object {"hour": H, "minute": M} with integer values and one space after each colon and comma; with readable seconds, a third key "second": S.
{"hour": 3, "minute": 52}
